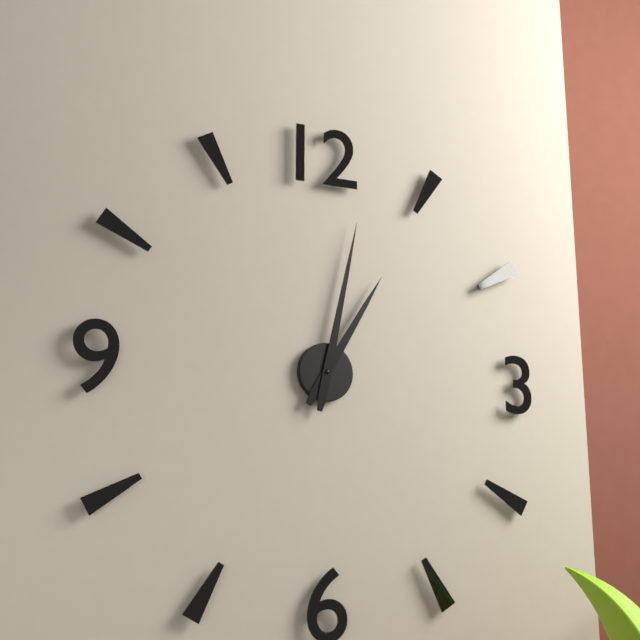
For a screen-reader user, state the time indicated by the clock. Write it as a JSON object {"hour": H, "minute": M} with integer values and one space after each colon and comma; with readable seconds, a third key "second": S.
{"hour": 1, "minute": 2}
